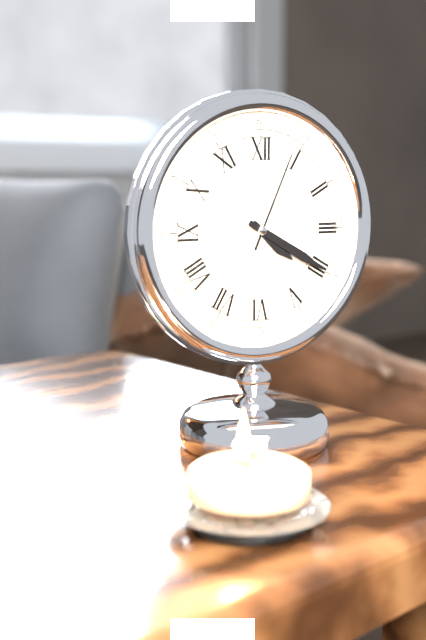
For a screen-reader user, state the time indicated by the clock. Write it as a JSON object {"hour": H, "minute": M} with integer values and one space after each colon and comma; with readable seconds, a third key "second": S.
{"hour": 4, "minute": 20, "second": 4}
